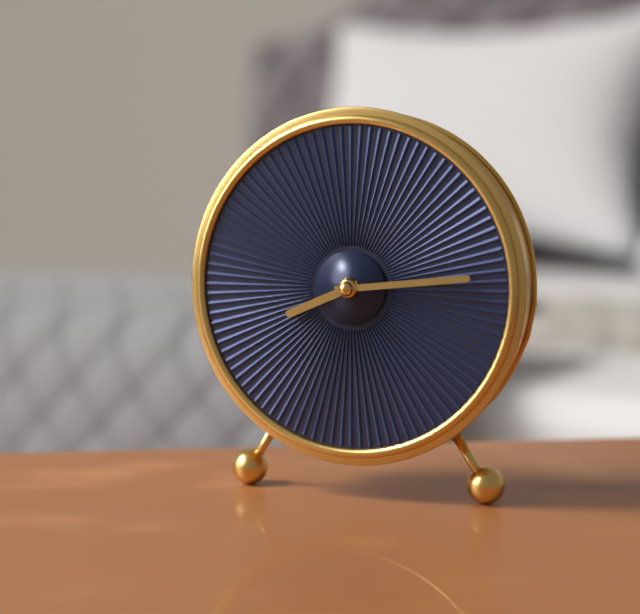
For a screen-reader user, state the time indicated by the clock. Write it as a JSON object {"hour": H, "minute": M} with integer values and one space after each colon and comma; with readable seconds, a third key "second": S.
{"hour": 8, "minute": 14}
